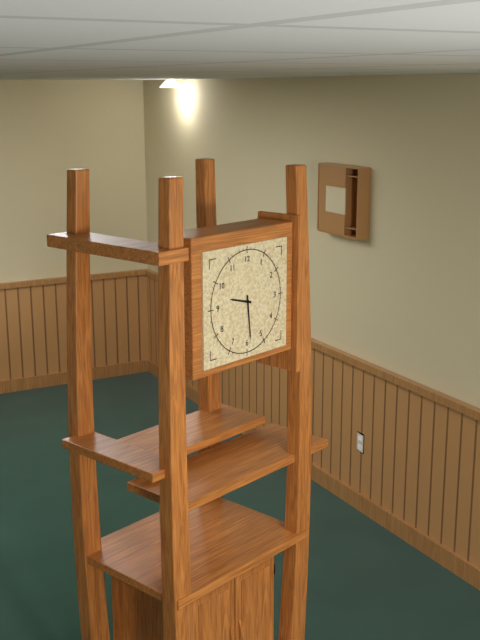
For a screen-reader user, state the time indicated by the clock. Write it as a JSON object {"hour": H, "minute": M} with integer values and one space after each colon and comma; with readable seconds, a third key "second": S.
{"hour": 9, "minute": 29}
